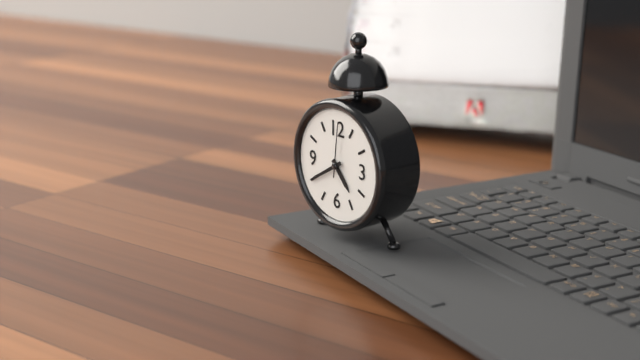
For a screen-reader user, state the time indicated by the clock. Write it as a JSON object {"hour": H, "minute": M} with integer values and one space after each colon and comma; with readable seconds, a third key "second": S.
{"hour": 4, "minute": 40, "second": 1}
